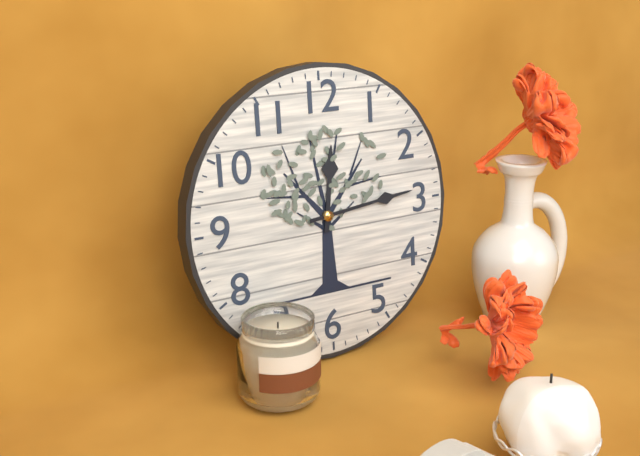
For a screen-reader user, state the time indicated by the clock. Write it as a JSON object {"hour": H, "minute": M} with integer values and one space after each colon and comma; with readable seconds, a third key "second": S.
{"hour": 12, "minute": 14}
